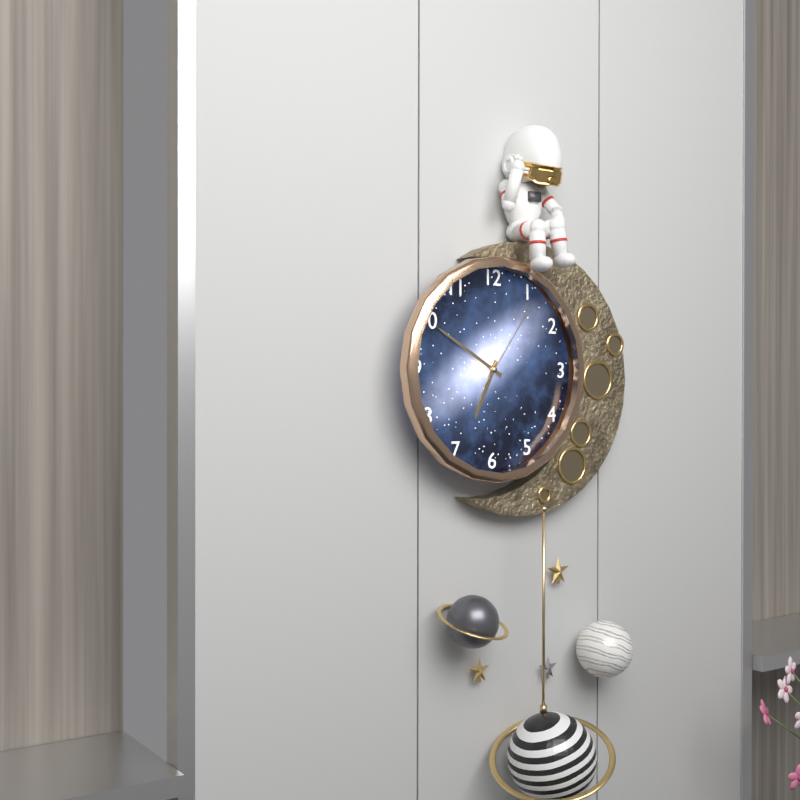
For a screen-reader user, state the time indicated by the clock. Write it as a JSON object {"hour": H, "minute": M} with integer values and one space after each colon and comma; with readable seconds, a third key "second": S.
{"hour": 6, "minute": 50, "second": 6}
